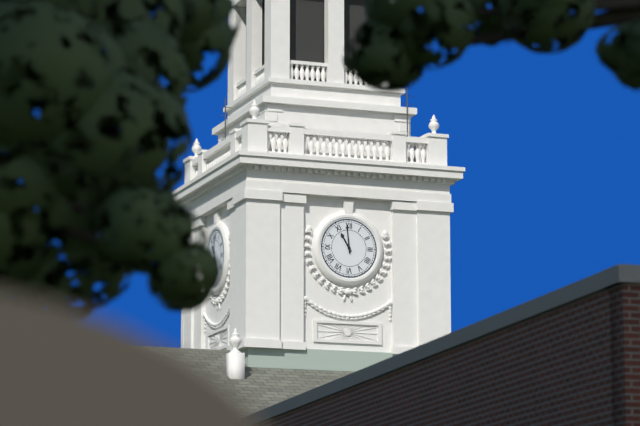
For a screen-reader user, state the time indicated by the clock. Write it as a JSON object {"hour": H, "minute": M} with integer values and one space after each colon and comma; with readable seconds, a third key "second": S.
{"hour": 10, "minute": 59}
